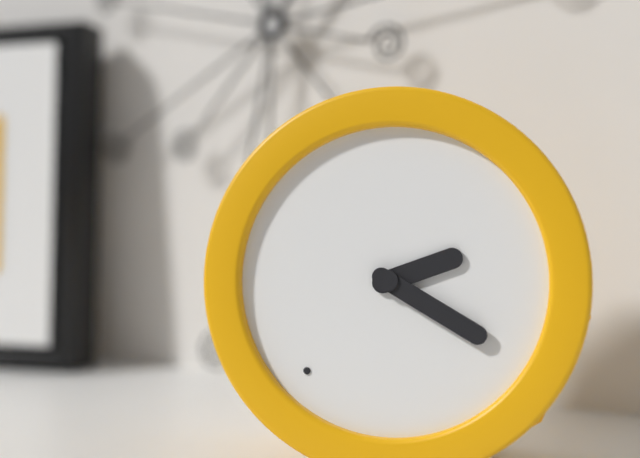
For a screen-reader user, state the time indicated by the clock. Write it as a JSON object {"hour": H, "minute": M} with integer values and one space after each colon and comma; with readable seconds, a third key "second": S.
{"hour": 2, "minute": 20}
